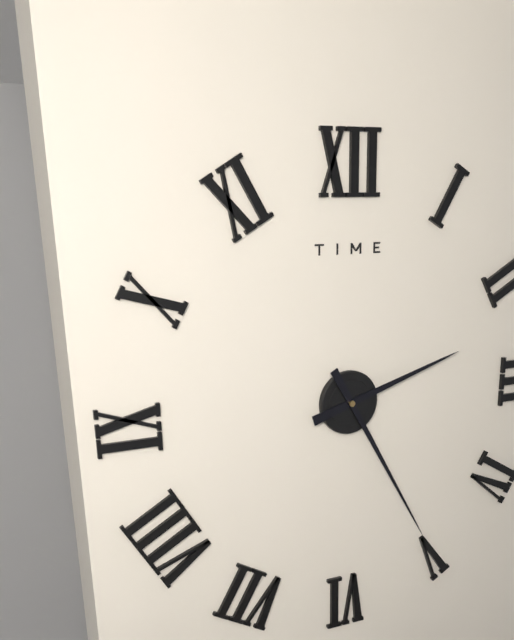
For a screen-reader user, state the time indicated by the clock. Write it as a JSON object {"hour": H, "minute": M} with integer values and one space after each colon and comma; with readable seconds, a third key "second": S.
{"hour": 2, "minute": 25}
